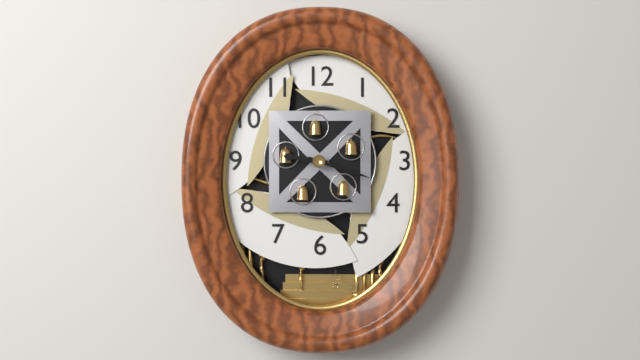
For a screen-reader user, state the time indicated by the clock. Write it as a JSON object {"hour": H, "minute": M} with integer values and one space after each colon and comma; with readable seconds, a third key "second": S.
{"hour": 9, "minute": 18}
